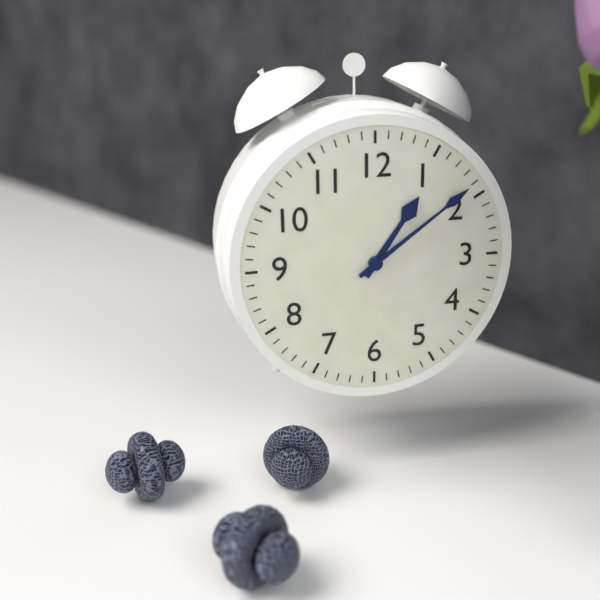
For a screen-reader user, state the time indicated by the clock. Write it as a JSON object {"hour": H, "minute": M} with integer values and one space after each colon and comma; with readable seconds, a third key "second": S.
{"hour": 1, "minute": 9}
